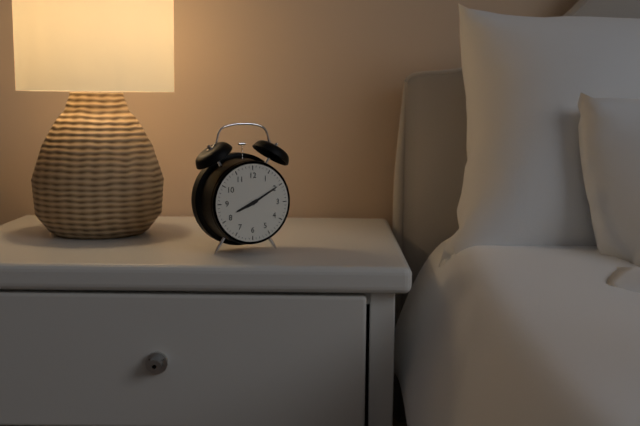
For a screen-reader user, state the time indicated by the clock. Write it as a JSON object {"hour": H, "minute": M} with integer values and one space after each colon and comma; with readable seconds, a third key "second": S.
{"hour": 8, "minute": 10}
